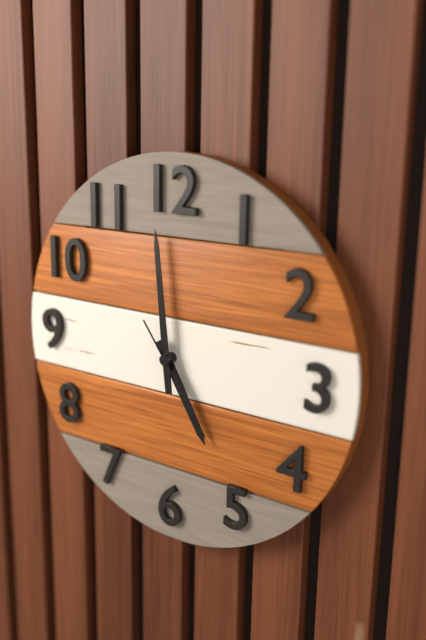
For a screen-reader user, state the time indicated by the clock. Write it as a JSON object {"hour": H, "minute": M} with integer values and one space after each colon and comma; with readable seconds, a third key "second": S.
{"hour": 4, "minute": 59, "second": 24}
